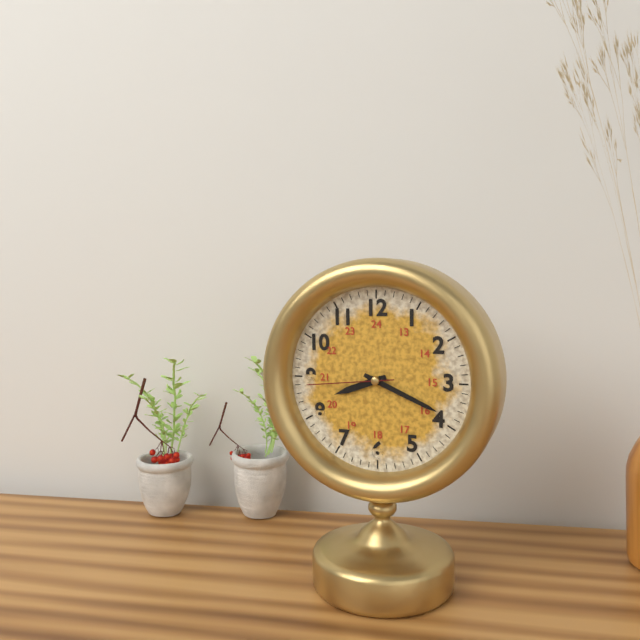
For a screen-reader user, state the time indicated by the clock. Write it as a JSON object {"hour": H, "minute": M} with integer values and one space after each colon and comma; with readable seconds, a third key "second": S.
{"hour": 8, "minute": 19, "second": 44}
